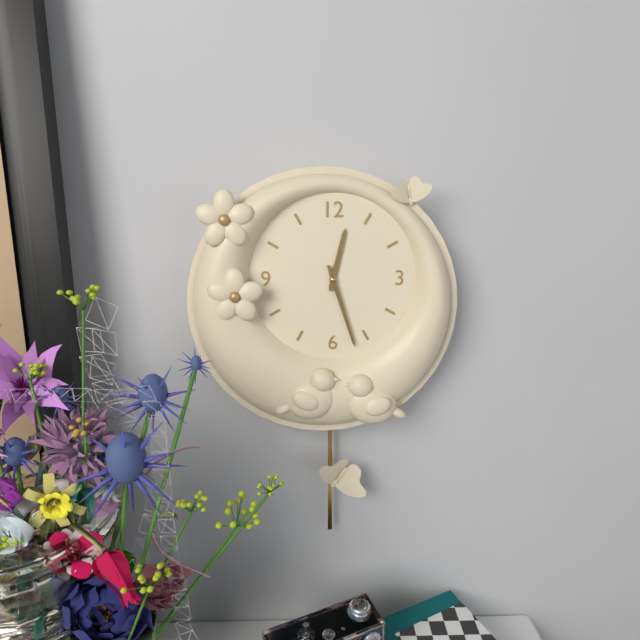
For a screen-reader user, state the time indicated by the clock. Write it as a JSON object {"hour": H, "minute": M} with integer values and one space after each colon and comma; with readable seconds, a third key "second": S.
{"hour": 12, "minute": 27}
